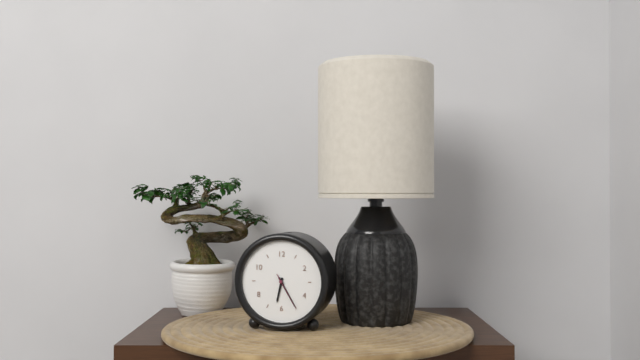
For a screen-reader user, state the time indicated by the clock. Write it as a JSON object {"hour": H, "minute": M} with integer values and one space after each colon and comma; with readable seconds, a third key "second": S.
{"hour": 6, "minute": 25}
